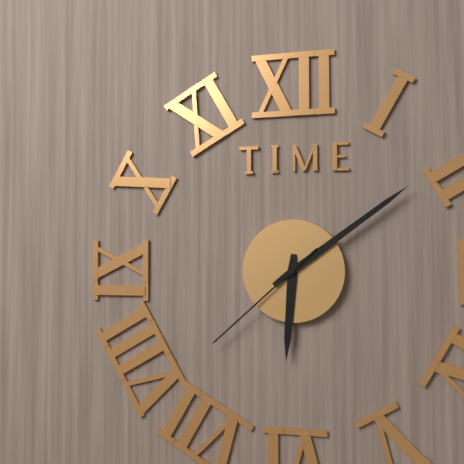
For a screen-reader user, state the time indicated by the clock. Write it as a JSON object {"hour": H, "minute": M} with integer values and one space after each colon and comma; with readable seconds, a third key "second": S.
{"hour": 6, "minute": 9, "second": 38}
